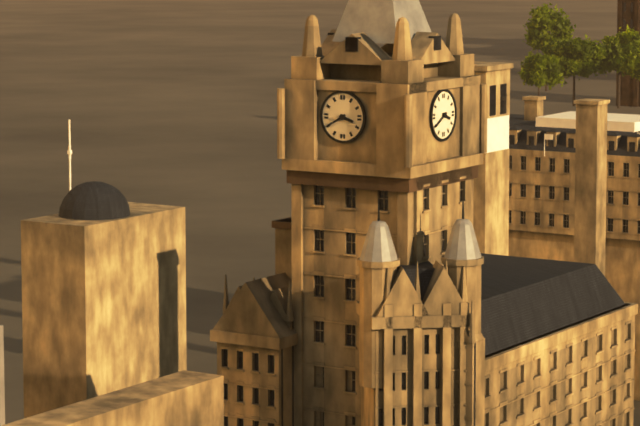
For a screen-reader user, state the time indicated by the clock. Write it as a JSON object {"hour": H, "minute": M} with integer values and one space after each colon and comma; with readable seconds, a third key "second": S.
{"hour": 3, "minute": 40}
